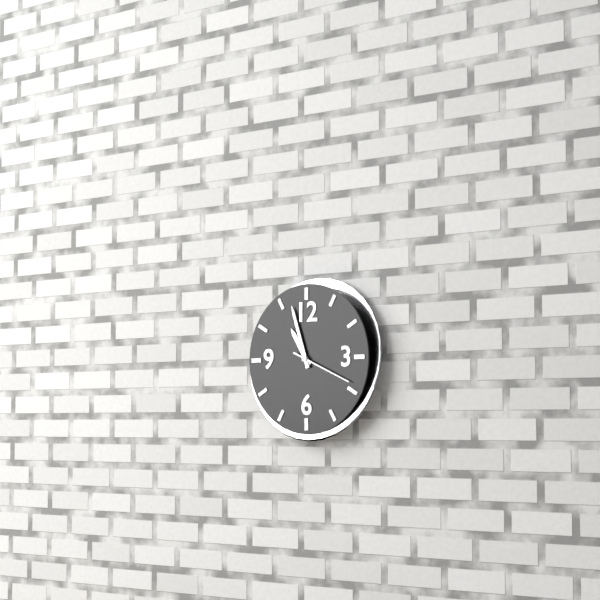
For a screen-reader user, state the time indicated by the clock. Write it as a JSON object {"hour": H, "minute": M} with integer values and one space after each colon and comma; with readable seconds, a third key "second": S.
{"hour": 10, "minute": 57, "second": 19}
